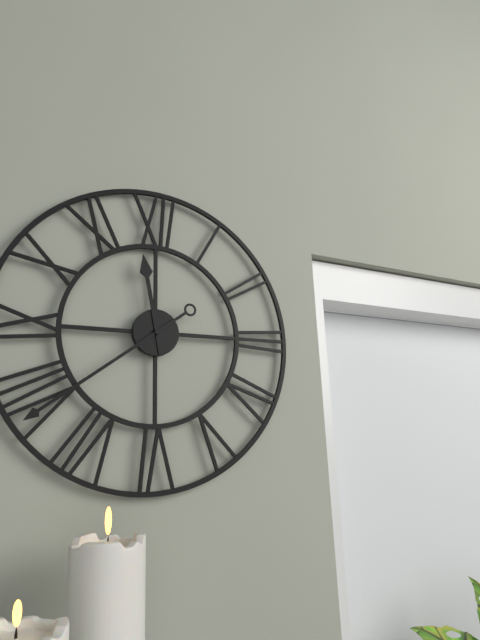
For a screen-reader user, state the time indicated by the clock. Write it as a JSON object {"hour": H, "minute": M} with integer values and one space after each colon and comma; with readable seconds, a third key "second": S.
{"hour": 11, "minute": 39}
